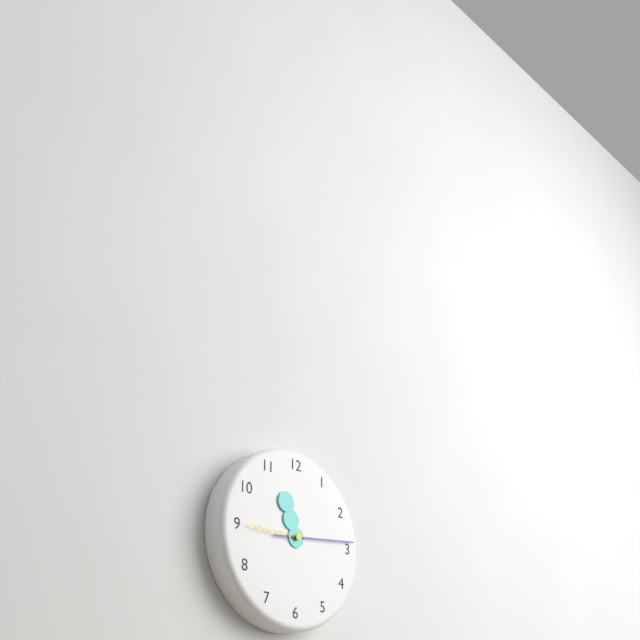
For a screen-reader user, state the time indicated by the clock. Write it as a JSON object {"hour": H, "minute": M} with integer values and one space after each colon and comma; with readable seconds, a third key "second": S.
{"hour": 11, "minute": 14, "second": 45}
